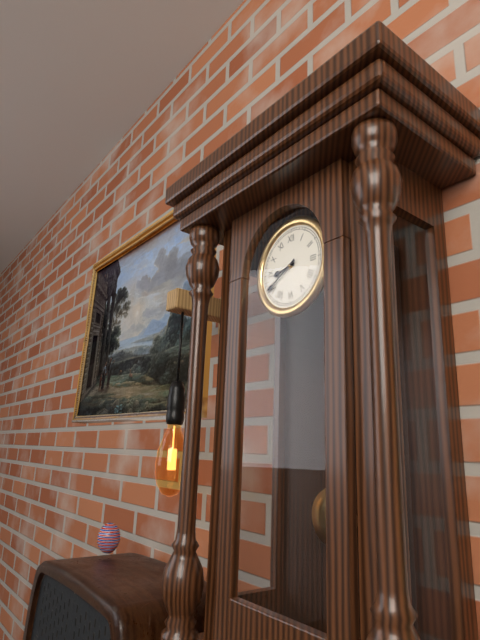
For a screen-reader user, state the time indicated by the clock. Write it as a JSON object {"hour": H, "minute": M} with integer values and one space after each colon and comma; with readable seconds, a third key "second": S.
{"hour": 8, "minute": 40}
